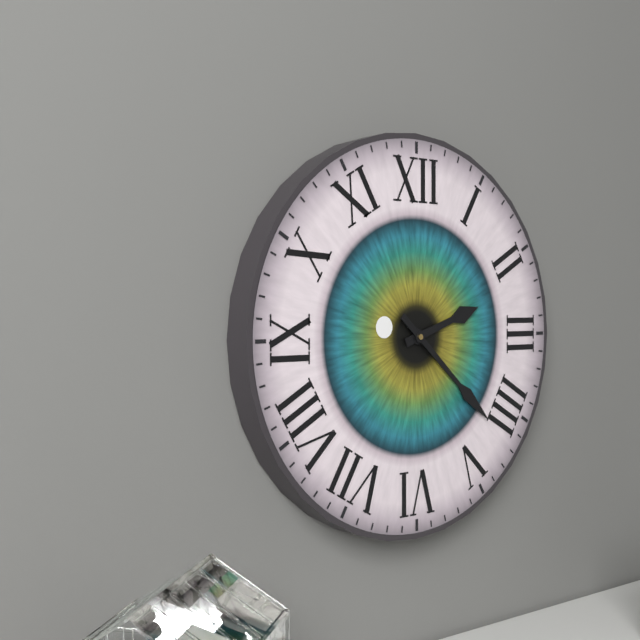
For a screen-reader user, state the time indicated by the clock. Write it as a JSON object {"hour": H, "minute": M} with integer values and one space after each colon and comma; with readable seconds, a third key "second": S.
{"hour": 2, "minute": 22}
